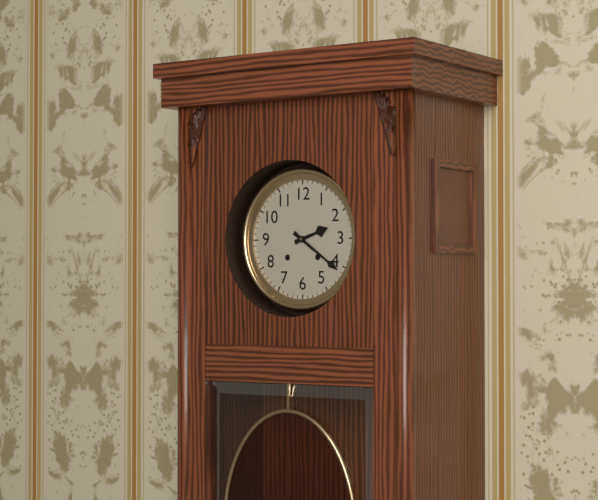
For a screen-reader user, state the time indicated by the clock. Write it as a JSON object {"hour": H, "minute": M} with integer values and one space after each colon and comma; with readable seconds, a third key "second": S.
{"hour": 2, "minute": 21}
